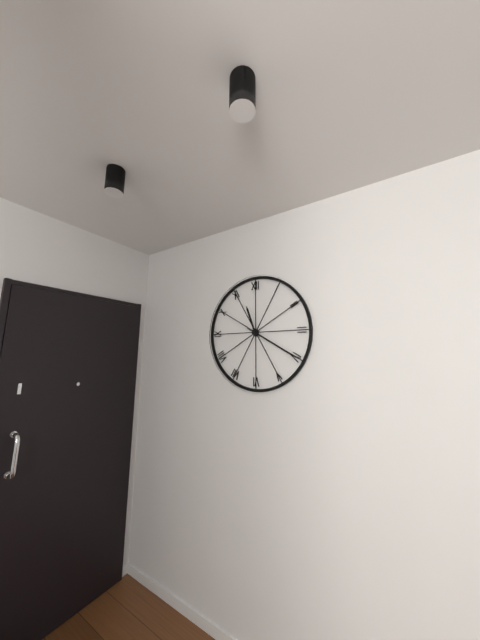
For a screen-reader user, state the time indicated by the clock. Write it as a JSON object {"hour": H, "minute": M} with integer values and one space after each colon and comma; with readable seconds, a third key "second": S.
{"hour": 11, "minute": 20}
